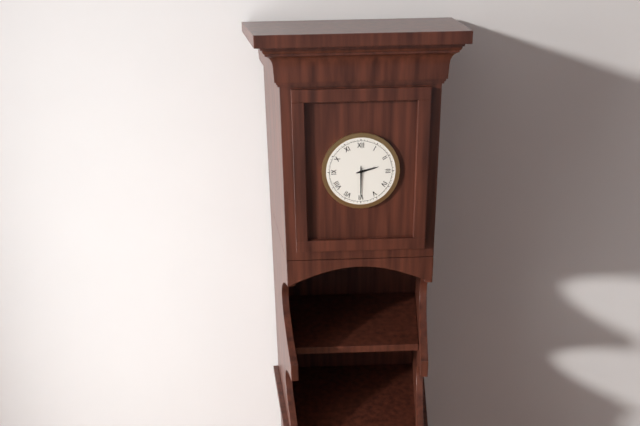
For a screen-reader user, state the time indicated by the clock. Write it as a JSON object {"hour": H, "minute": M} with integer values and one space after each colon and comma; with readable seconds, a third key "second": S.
{"hour": 2, "minute": 30}
